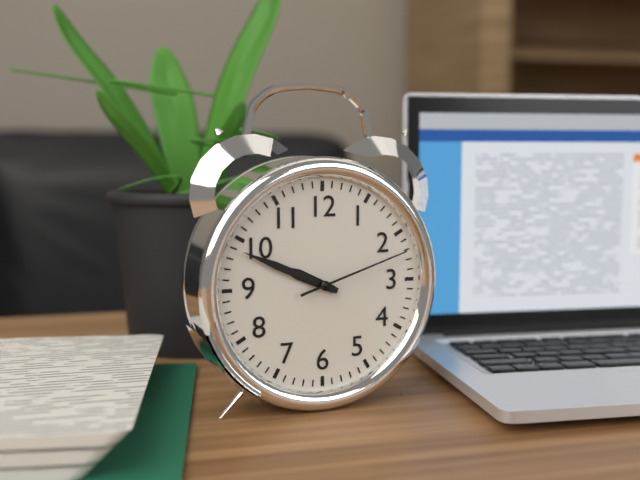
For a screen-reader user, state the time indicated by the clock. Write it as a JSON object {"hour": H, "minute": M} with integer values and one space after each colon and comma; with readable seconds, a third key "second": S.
{"hour": 9, "minute": 49, "second": 12}
